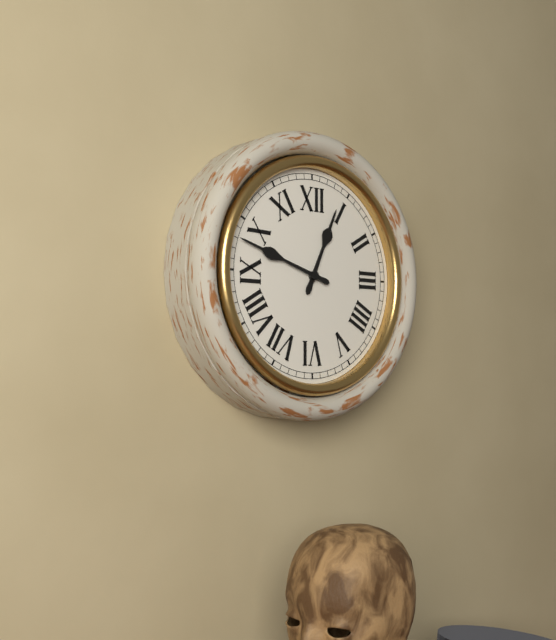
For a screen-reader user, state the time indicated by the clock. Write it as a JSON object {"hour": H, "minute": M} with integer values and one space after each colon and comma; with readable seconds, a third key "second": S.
{"hour": 12, "minute": 48}
